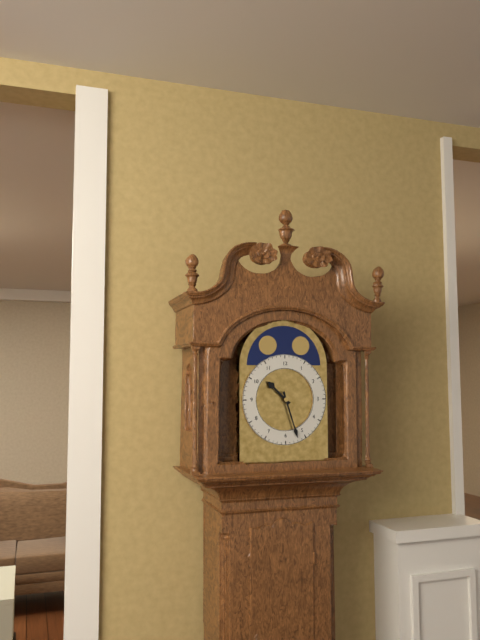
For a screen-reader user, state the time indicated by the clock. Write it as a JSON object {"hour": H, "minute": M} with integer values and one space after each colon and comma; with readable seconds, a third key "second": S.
{"hour": 10, "minute": 27}
